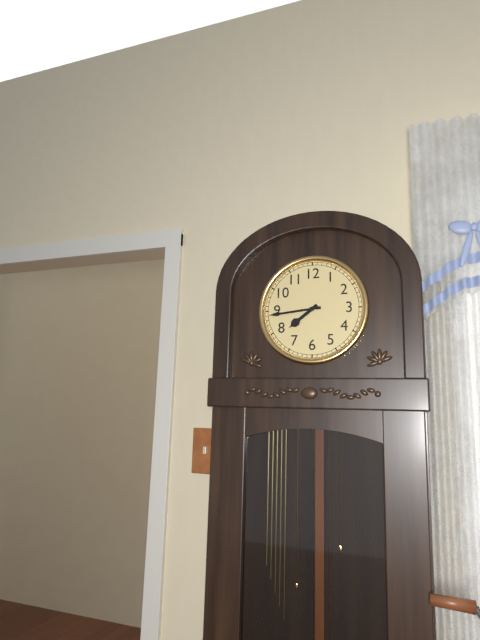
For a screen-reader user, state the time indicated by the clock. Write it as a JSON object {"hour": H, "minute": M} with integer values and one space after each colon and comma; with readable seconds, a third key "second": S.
{"hour": 7, "minute": 44}
